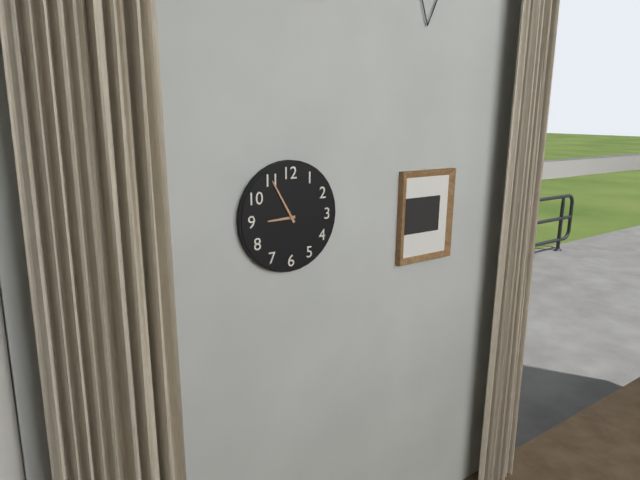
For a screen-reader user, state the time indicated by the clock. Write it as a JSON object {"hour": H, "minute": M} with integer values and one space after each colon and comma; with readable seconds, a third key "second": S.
{"hour": 8, "minute": 55}
